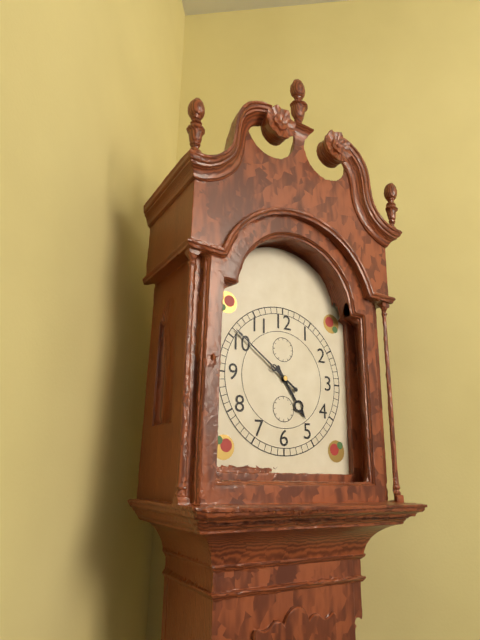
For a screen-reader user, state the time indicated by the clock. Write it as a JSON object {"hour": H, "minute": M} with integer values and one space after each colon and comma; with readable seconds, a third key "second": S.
{"hour": 4, "minute": 51}
